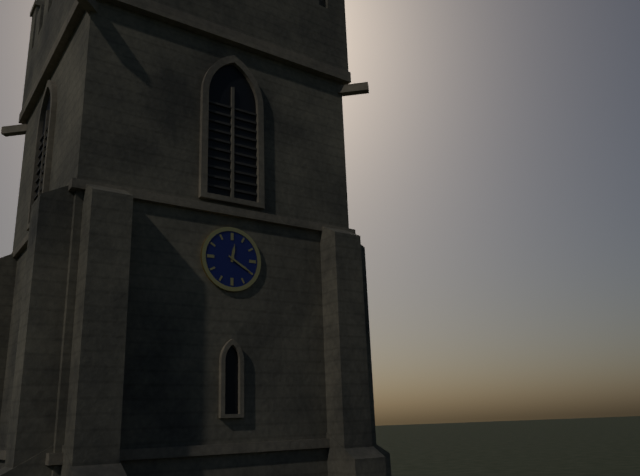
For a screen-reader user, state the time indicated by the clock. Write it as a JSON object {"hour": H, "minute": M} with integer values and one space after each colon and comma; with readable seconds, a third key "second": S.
{"hour": 12, "minute": 20}
